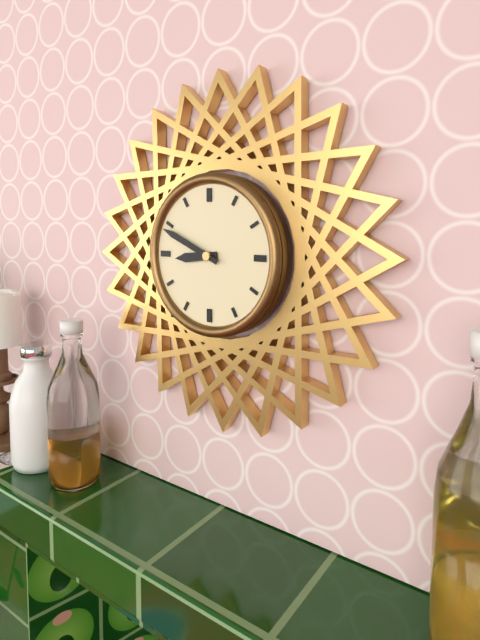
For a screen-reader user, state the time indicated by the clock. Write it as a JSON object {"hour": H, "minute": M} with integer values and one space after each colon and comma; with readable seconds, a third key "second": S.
{"hour": 8, "minute": 49}
